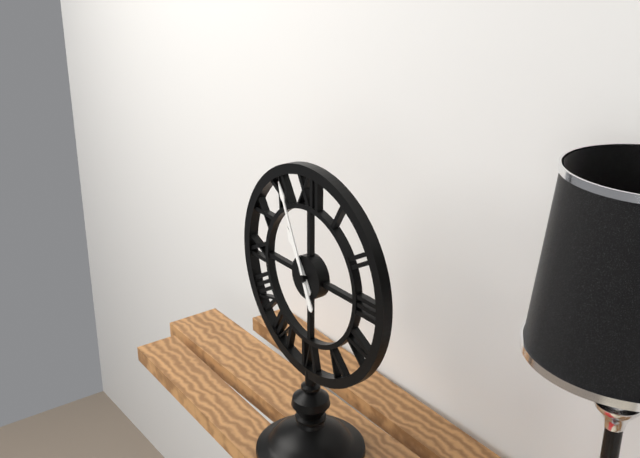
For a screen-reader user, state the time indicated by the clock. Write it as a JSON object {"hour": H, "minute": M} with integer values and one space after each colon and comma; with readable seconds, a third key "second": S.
{"hour": 10, "minute": 56}
